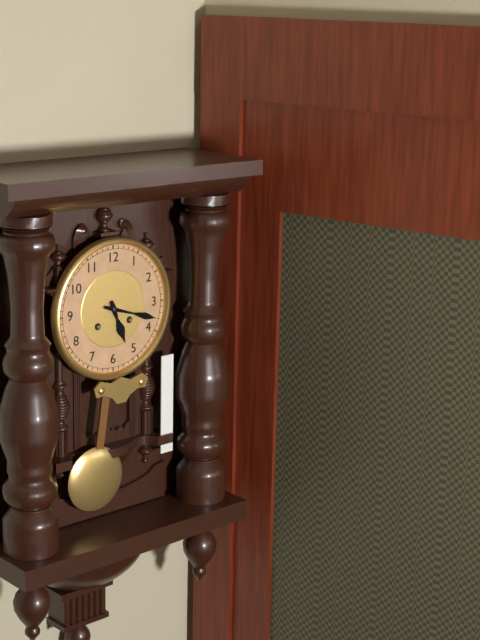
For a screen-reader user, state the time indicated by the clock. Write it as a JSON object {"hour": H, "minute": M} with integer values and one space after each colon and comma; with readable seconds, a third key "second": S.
{"hour": 5, "minute": 18}
